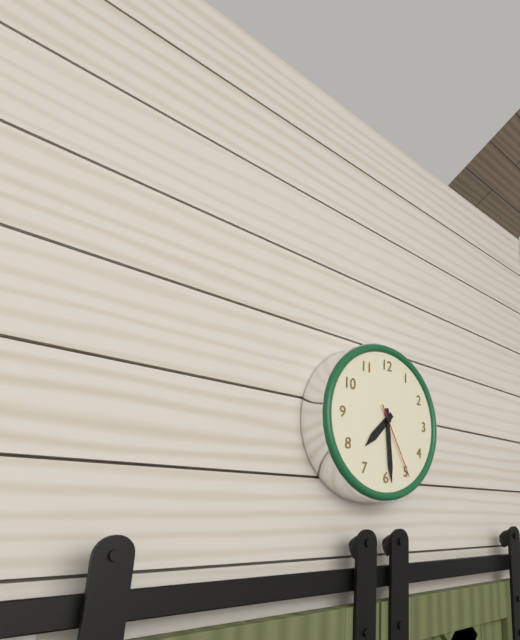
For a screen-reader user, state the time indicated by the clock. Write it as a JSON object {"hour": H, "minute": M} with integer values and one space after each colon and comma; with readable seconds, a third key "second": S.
{"hour": 7, "minute": 29, "second": 25}
